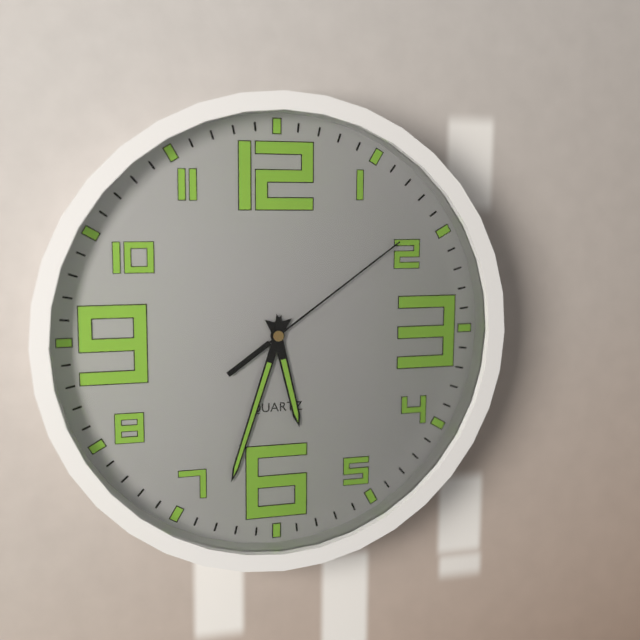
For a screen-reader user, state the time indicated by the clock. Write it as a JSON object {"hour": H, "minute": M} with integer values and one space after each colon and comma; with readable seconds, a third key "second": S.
{"hour": 5, "minute": 33, "second": 9}
